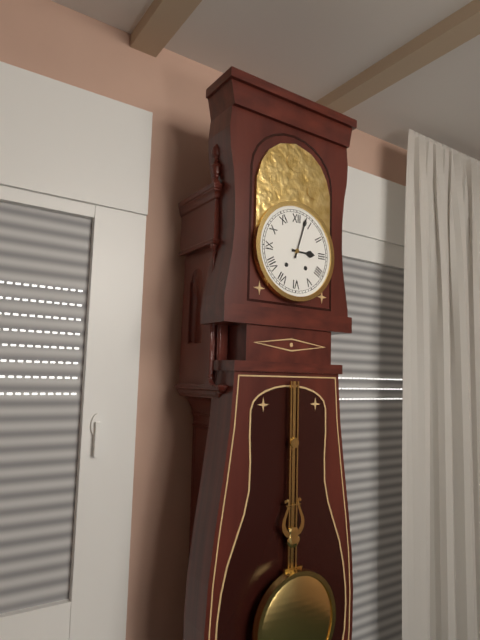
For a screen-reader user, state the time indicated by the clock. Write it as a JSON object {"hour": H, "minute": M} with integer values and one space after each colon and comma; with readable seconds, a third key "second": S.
{"hour": 3, "minute": 3}
